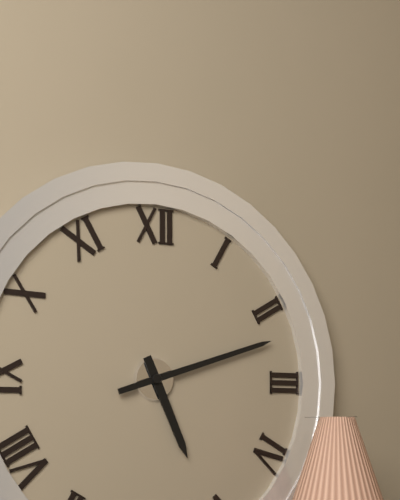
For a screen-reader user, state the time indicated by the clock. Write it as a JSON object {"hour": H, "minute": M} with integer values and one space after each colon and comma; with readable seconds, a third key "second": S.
{"hour": 5, "minute": 12}
